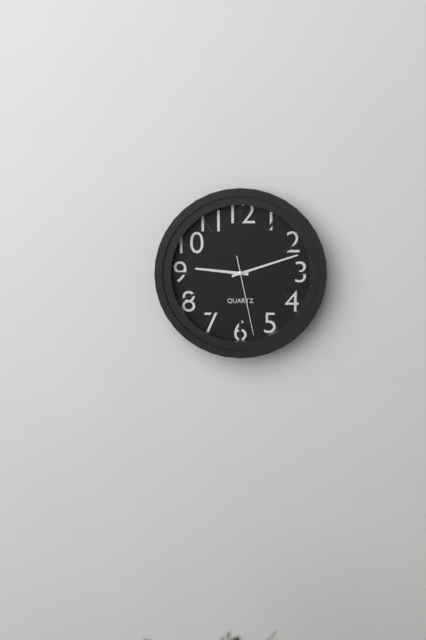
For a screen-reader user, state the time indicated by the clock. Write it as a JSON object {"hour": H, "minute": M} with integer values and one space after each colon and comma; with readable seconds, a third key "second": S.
{"hour": 9, "minute": 12, "second": 28}
